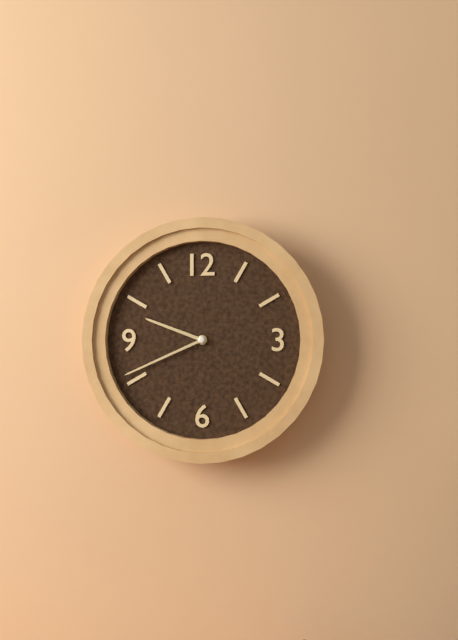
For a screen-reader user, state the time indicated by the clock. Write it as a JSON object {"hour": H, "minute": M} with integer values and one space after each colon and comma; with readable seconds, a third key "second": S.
{"hour": 9, "minute": 41}
